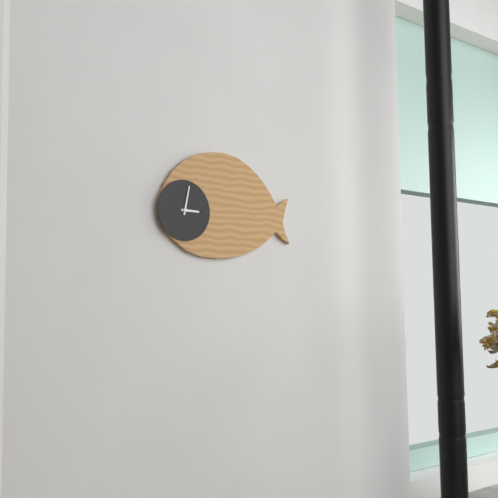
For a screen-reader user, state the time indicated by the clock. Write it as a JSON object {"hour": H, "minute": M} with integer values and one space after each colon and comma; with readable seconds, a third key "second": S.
{"hour": 3, "minute": 2}
